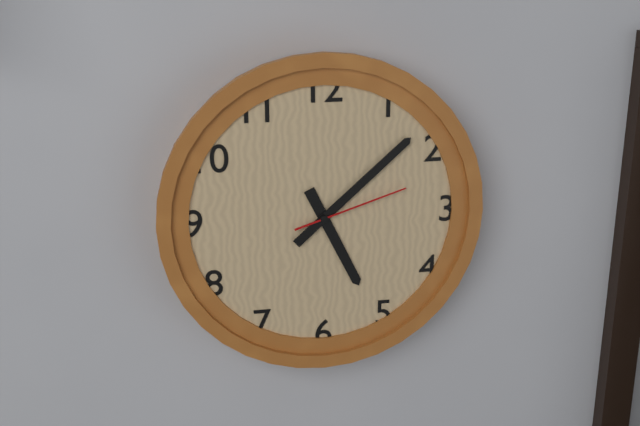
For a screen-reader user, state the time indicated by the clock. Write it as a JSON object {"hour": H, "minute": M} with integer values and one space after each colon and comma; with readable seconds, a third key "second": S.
{"hour": 5, "minute": 8, "second": 12}
